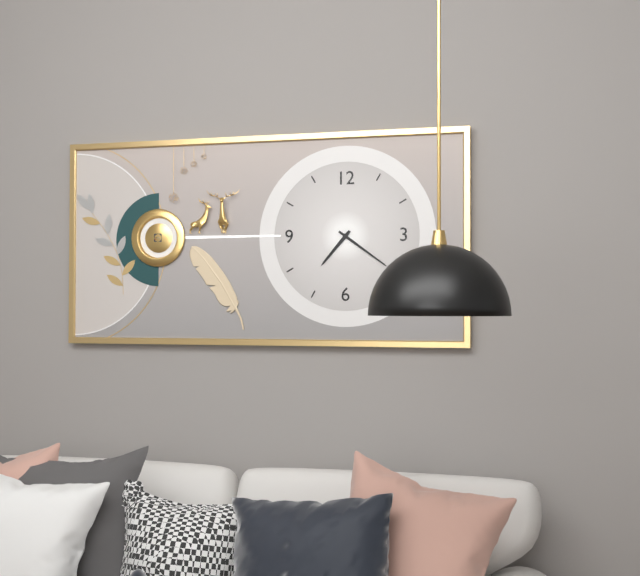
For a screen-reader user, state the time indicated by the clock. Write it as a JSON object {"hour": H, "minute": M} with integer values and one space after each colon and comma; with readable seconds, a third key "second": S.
{"hour": 7, "minute": 21}
